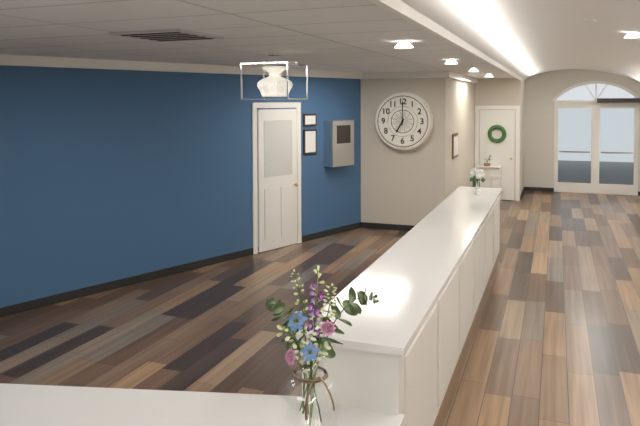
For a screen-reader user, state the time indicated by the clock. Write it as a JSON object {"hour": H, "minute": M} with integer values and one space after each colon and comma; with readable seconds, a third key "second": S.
{"hour": 7, "minute": 0}
